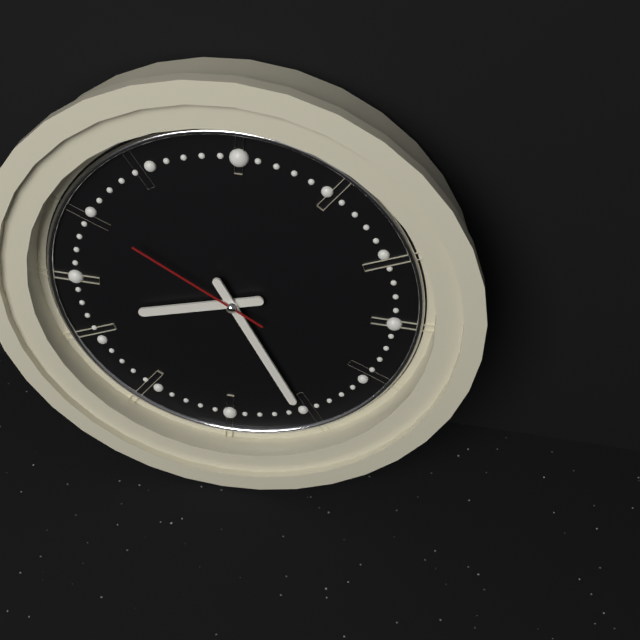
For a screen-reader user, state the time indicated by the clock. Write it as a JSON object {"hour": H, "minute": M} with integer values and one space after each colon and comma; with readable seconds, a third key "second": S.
{"hour": 8, "minute": 25, "second": 50}
